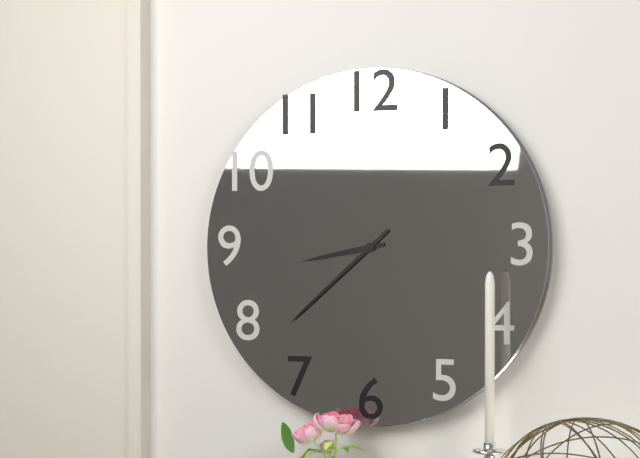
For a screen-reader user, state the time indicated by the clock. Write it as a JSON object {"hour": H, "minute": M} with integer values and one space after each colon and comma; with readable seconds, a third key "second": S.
{"hour": 8, "minute": 38}
